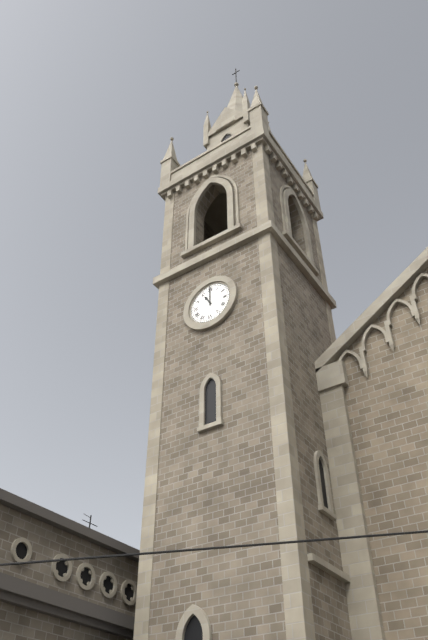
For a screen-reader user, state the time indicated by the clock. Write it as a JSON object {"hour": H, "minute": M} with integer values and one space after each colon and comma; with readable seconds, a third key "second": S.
{"hour": 11, "minute": 0}
